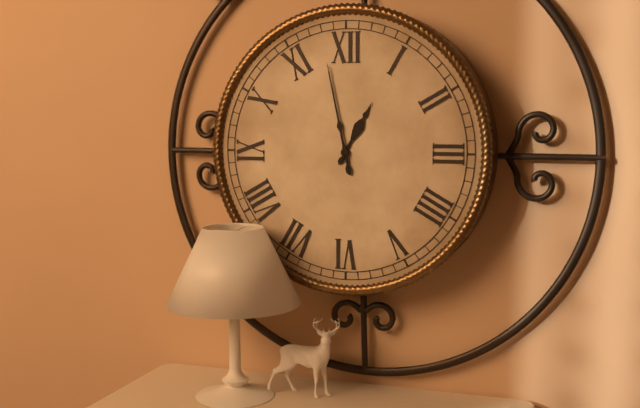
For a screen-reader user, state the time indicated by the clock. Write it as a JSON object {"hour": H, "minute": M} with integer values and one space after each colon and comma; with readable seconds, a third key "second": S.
{"hour": 12, "minute": 58}
